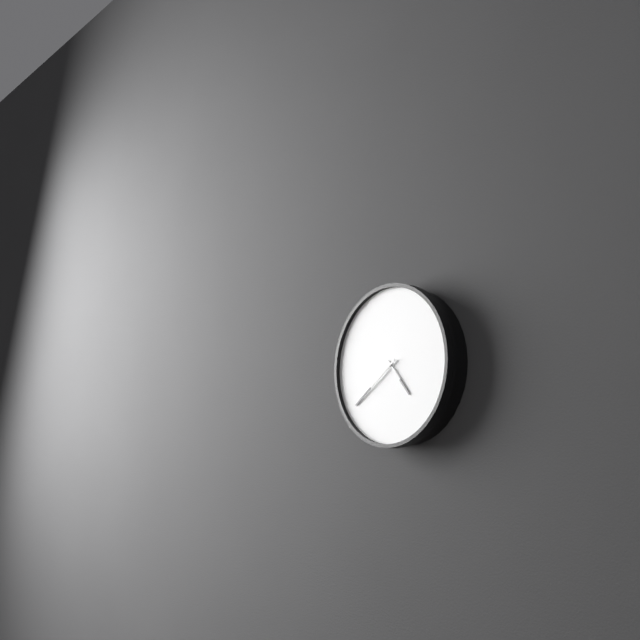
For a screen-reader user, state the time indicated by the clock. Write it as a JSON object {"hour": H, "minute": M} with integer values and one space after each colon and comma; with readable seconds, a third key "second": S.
{"hour": 4, "minute": 39}
